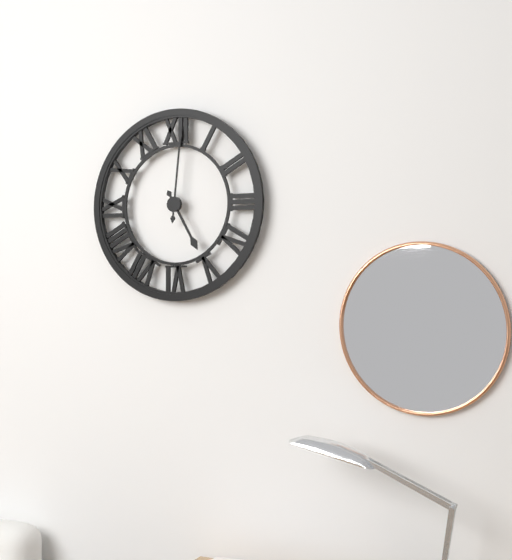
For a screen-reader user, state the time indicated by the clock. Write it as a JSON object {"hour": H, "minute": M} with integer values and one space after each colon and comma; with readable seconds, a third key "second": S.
{"hour": 5, "minute": 1}
